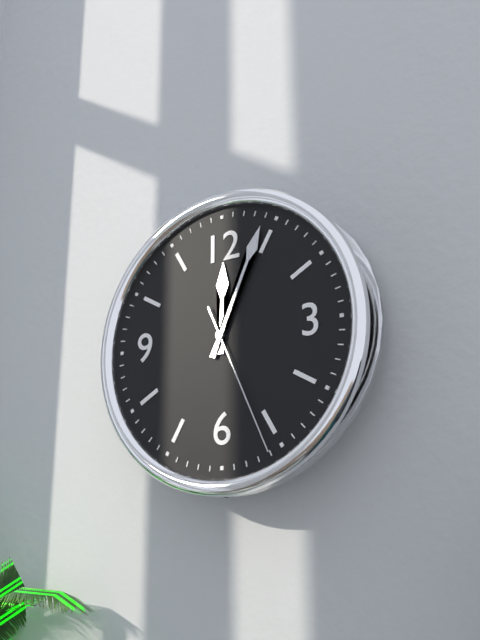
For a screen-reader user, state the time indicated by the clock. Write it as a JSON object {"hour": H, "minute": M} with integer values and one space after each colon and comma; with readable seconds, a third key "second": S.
{"hour": 12, "minute": 4, "second": 26}
